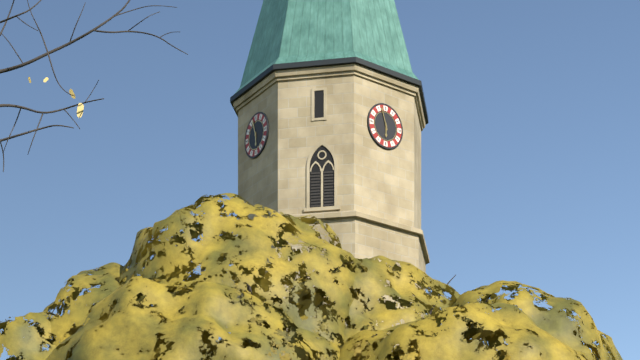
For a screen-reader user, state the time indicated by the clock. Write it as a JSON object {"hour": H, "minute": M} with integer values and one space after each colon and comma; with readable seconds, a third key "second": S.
{"hour": 5, "minute": 57}
